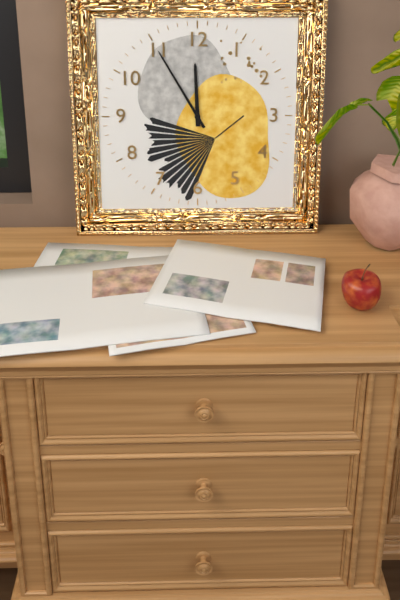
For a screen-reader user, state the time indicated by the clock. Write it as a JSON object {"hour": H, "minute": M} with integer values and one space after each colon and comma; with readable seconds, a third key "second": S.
{"hour": 11, "minute": 55}
